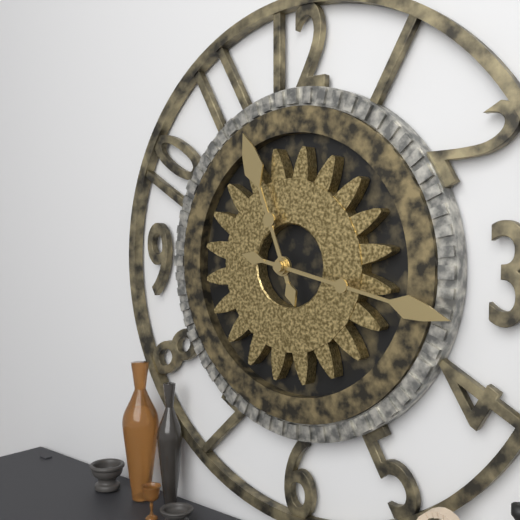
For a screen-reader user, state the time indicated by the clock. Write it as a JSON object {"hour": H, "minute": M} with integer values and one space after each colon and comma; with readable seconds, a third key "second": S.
{"hour": 11, "minute": 17}
